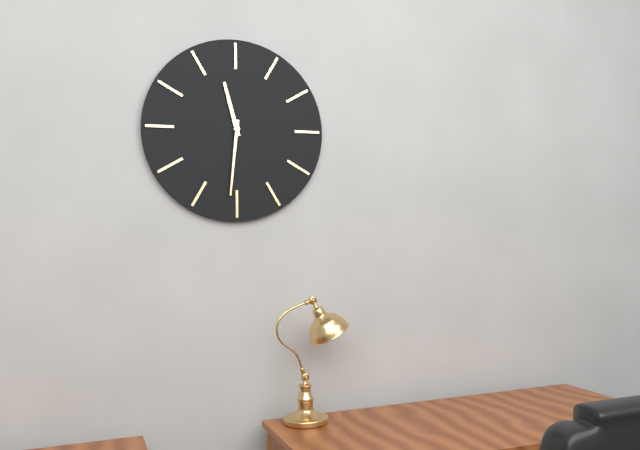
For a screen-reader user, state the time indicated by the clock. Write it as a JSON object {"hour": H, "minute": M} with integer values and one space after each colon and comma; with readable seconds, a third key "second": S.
{"hour": 11, "minute": 31}
